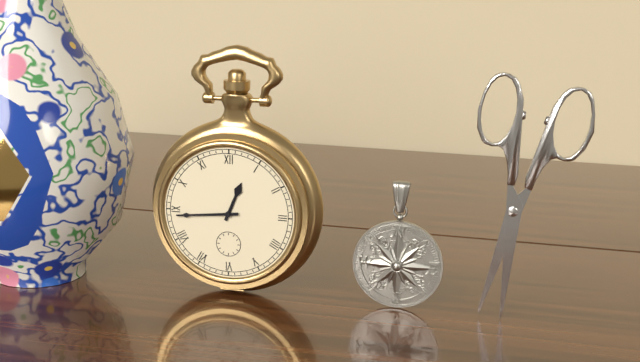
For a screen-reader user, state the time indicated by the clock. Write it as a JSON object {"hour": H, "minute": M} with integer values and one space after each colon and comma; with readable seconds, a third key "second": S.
{"hour": 12, "minute": 44}
